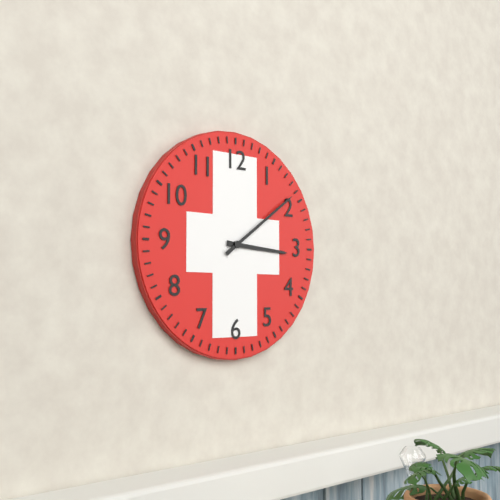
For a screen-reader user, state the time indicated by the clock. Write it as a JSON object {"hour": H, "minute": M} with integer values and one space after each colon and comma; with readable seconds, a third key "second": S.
{"hour": 3, "minute": 9}
